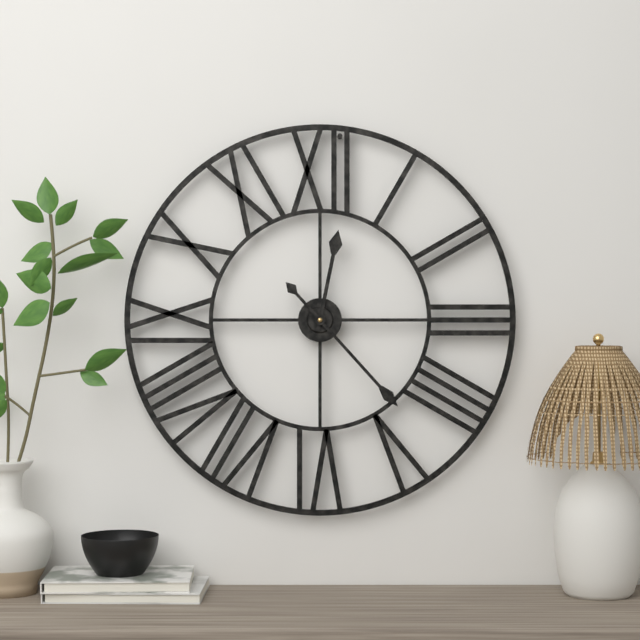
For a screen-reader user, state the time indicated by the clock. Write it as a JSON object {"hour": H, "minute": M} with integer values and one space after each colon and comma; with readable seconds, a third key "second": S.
{"hour": 12, "minute": 23}
